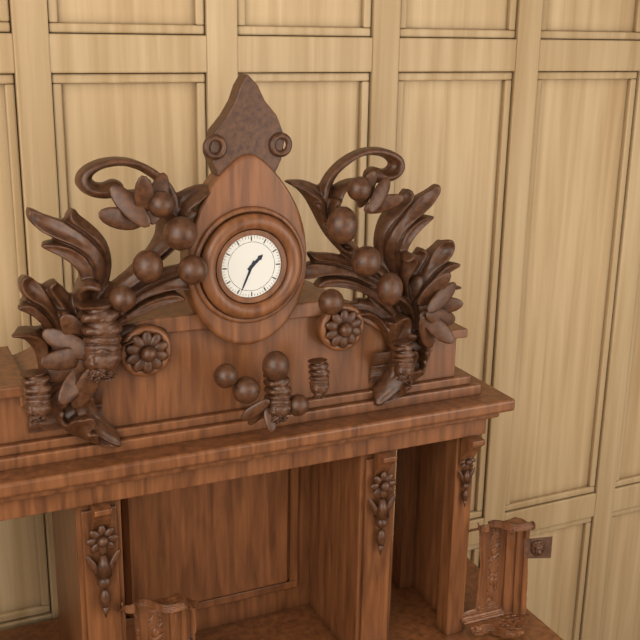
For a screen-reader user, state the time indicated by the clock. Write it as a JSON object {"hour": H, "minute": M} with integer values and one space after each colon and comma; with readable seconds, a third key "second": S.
{"hour": 1, "minute": 34}
